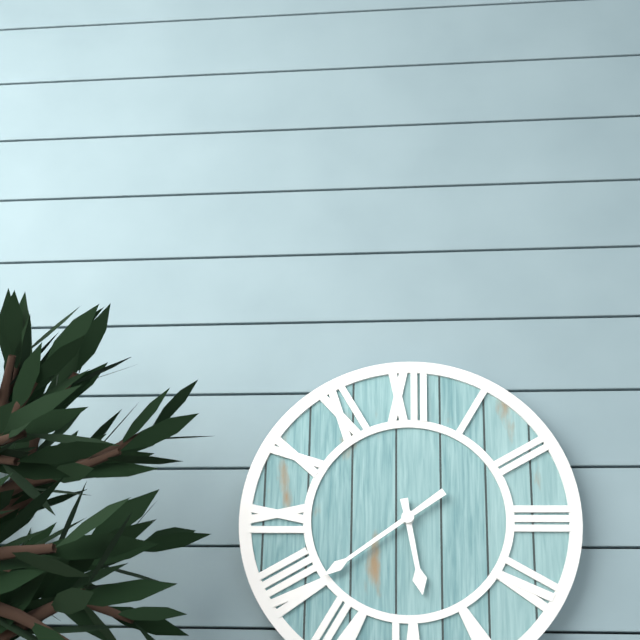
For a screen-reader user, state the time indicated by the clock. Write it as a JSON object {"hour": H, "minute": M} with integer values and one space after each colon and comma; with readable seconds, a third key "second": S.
{"hour": 5, "minute": 39}
